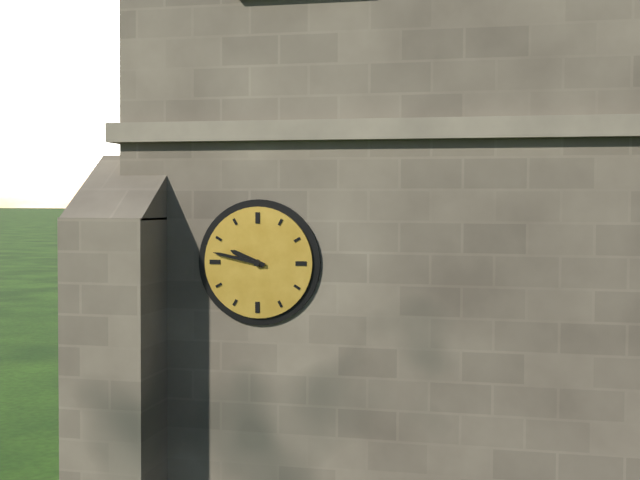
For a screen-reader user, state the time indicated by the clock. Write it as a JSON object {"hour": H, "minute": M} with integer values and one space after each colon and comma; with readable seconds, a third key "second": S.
{"hour": 9, "minute": 47}
